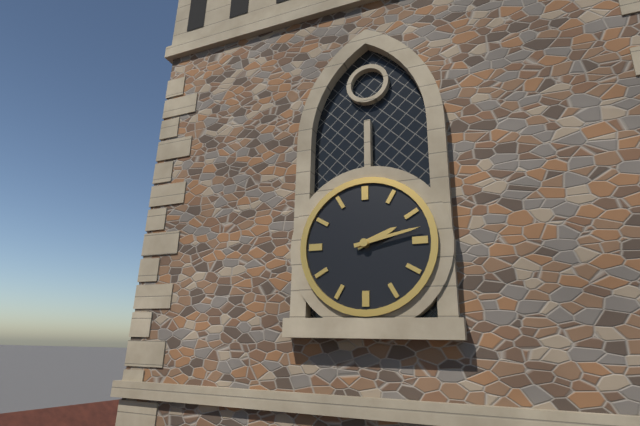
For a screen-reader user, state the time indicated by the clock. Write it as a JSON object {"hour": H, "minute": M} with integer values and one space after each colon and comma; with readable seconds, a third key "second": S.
{"hour": 2, "minute": 13}
